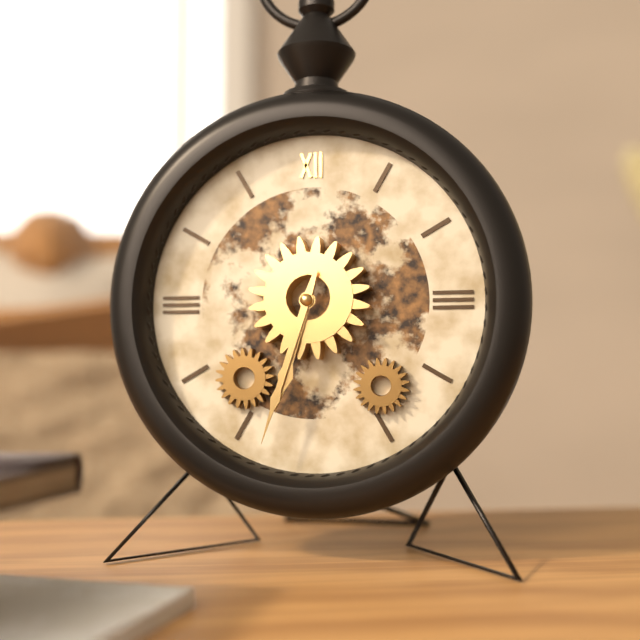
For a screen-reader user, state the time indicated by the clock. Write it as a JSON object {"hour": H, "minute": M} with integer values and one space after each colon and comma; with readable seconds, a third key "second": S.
{"hour": 6, "minute": 33}
